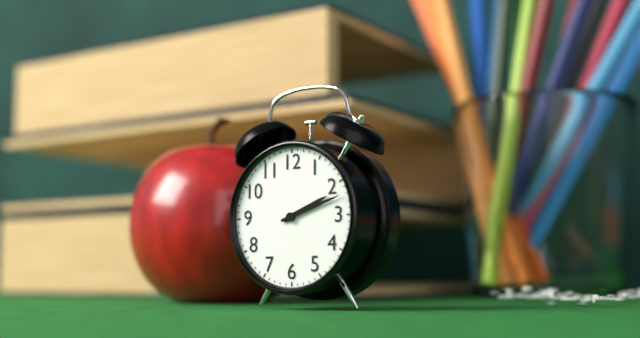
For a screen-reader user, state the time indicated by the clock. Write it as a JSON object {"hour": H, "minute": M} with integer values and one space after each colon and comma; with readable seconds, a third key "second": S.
{"hour": 2, "minute": 12}
